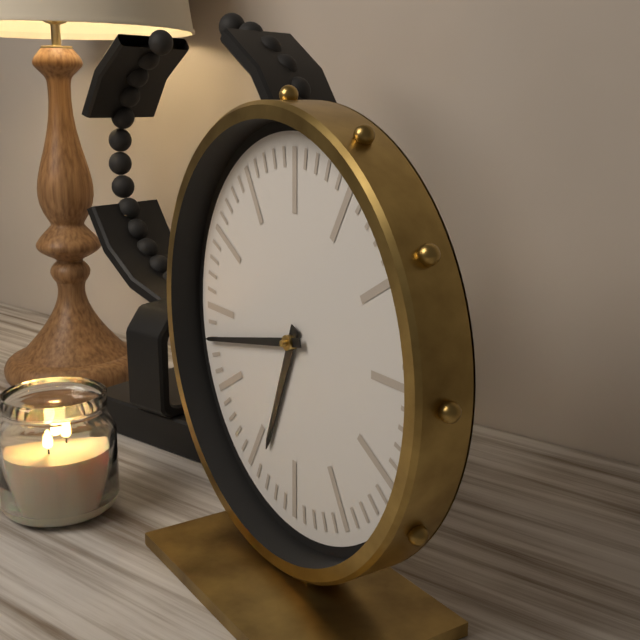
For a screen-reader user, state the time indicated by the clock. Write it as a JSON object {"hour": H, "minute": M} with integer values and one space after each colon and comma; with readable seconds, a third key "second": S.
{"hour": 6, "minute": 43}
